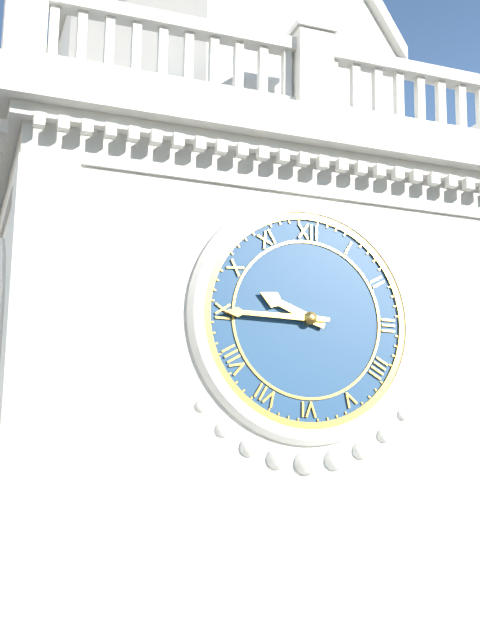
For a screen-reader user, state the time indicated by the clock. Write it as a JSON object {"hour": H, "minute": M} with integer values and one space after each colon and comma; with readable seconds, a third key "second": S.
{"hour": 9, "minute": 45}
